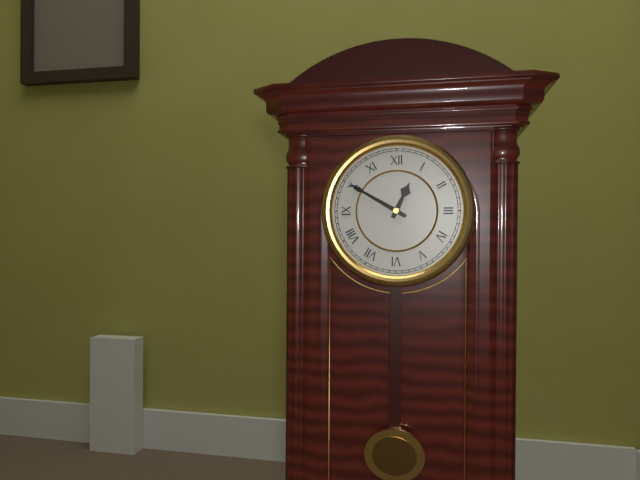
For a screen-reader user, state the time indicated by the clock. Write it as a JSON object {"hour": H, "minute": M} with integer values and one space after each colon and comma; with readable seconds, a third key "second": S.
{"hour": 12, "minute": 50}
